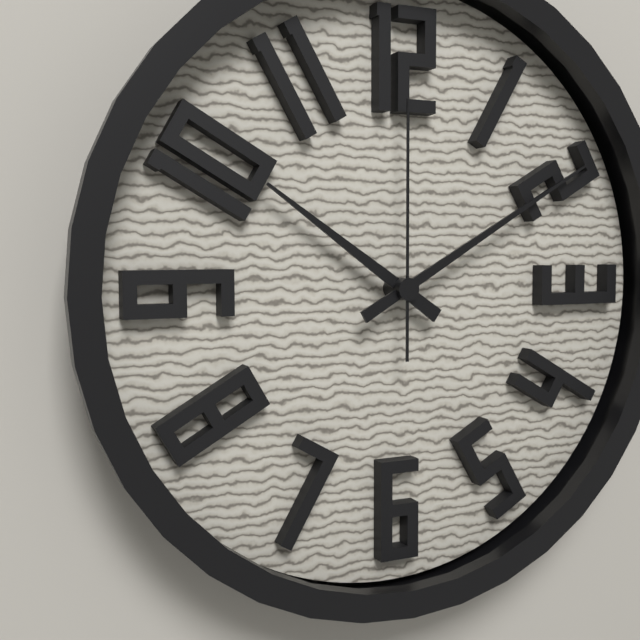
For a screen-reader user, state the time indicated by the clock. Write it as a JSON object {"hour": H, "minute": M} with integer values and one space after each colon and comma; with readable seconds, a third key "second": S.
{"hour": 10, "minute": 10, "second": 0}
